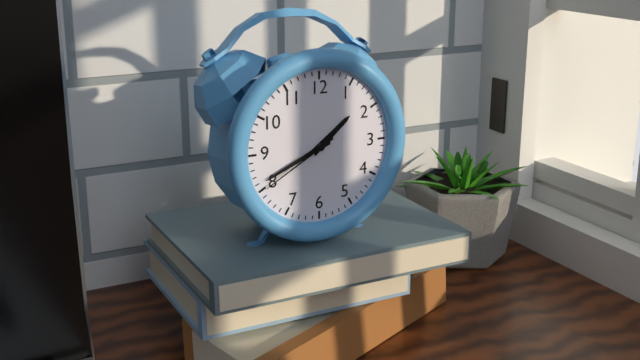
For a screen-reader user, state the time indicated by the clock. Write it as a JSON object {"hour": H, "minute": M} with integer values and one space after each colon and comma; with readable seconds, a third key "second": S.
{"hour": 1, "minute": 41, "second": 40}
